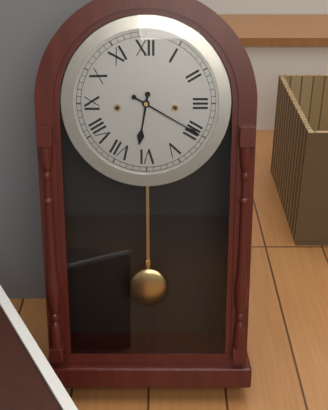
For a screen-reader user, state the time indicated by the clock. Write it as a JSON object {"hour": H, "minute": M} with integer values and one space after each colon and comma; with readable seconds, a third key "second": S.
{"hour": 6, "minute": 20}
